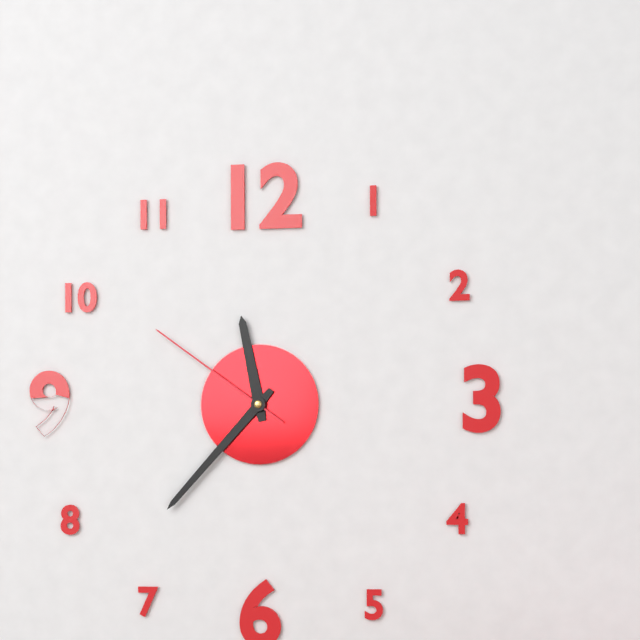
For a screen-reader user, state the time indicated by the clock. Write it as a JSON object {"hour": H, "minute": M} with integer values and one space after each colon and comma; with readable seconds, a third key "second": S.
{"hour": 11, "minute": 37, "second": 51}
